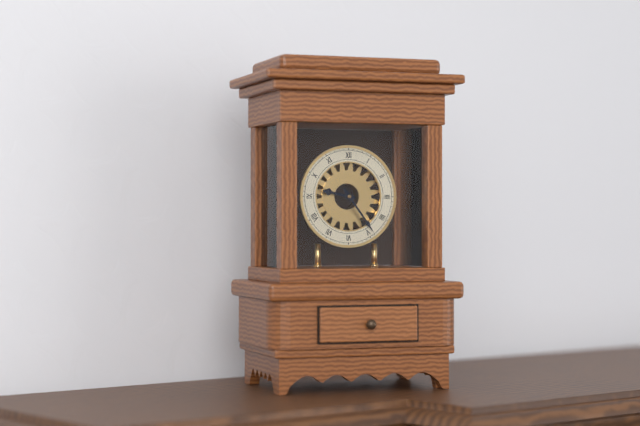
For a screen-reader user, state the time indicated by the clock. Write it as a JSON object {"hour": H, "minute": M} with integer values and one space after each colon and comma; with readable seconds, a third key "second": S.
{"hour": 9, "minute": 24}
